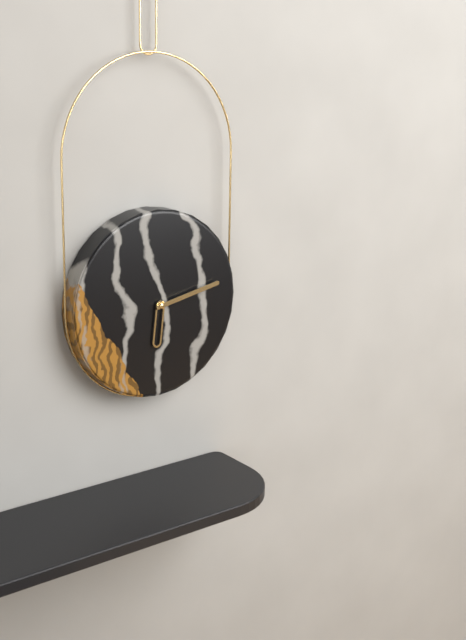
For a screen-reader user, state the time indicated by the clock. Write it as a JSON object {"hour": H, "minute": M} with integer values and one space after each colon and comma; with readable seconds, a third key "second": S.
{"hour": 6, "minute": 13}
